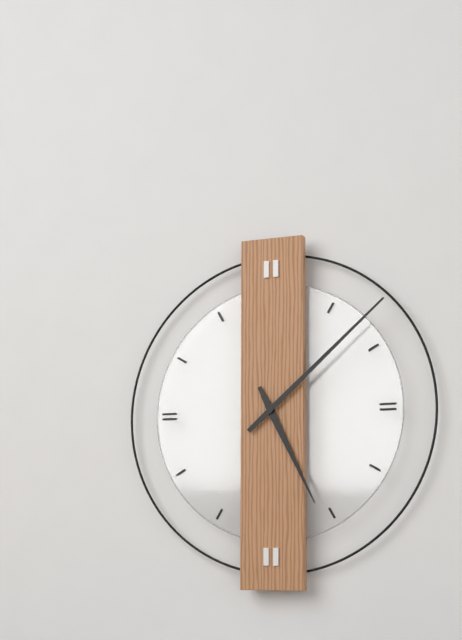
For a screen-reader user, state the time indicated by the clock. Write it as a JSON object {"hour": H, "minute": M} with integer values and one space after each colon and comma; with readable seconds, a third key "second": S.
{"hour": 5, "minute": 8}
